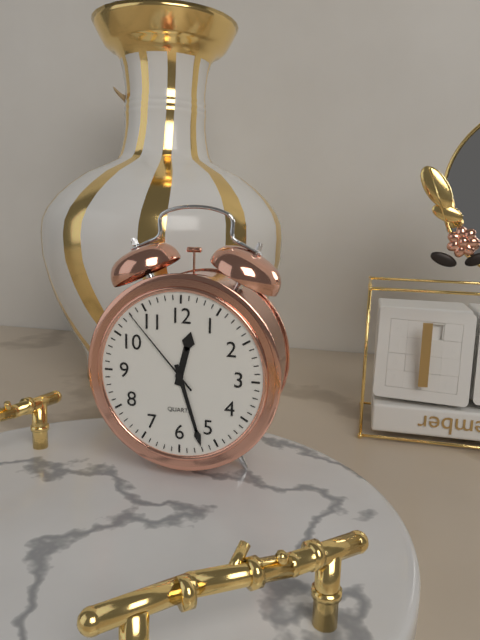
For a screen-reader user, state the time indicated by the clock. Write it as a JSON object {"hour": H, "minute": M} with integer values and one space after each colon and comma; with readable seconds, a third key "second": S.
{"hour": 12, "minute": 27, "second": 53}
